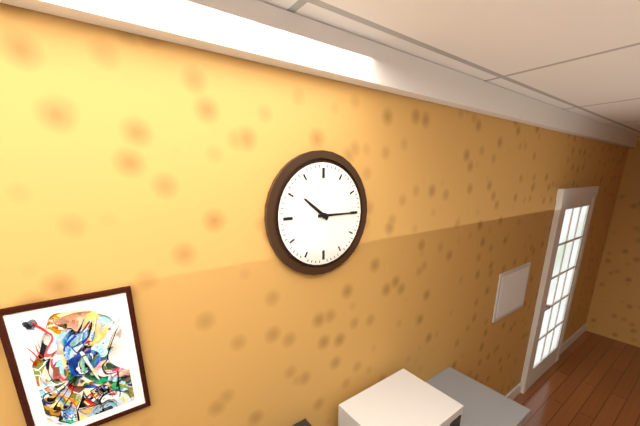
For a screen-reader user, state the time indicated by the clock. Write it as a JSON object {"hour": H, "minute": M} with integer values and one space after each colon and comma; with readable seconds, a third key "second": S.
{"hour": 10, "minute": 15}
